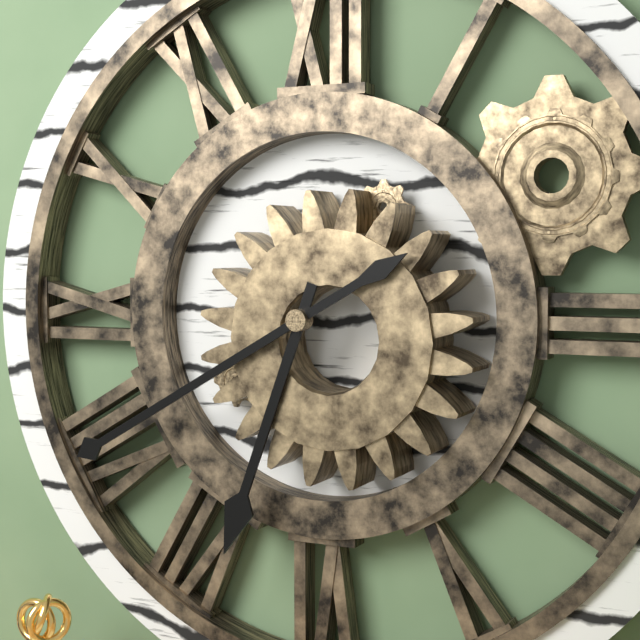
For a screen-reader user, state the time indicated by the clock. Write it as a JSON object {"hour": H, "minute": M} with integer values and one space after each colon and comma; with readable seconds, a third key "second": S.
{"hour": 6, "minute": 40}
